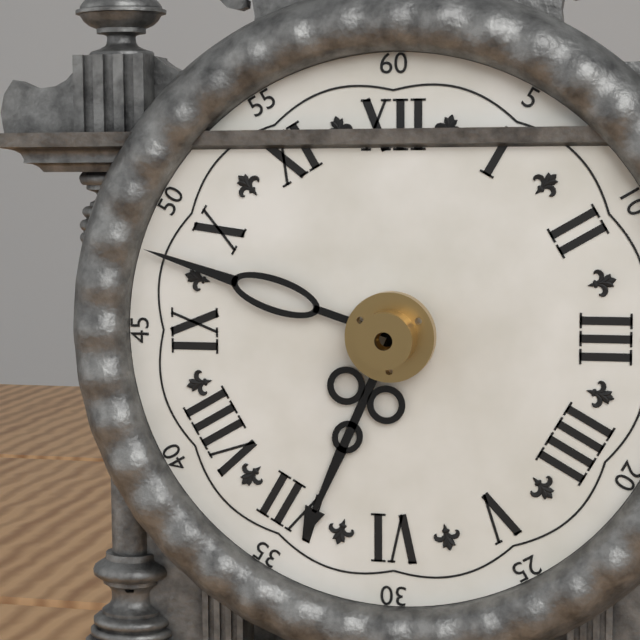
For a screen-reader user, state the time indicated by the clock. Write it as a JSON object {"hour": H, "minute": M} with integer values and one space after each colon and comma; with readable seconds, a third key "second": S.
{"hour": 6, "minute": 48}
